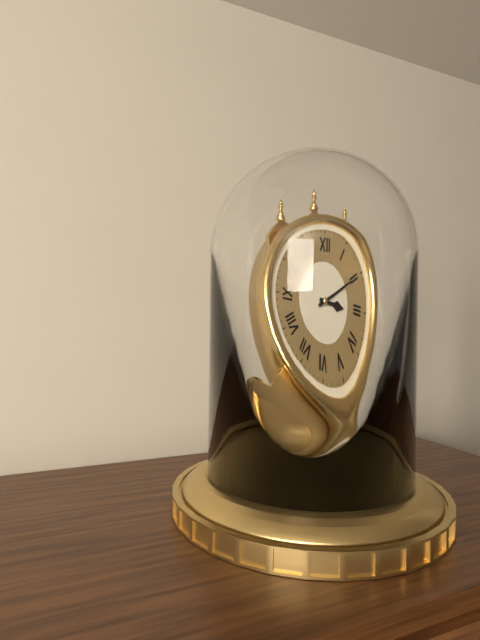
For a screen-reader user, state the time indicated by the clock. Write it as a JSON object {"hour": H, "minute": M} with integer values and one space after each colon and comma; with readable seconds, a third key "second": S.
{"hour": 3, "minute": 10}
